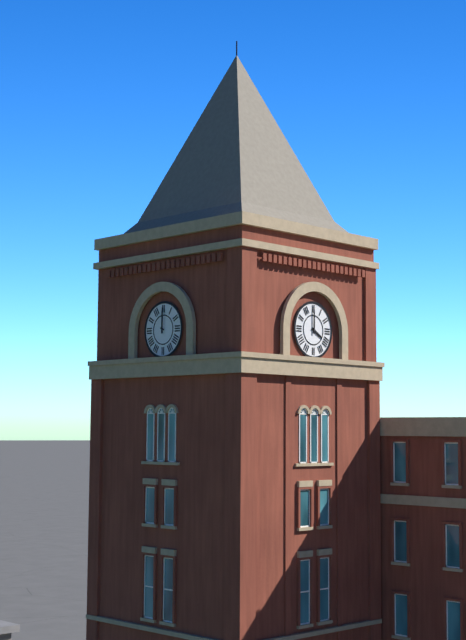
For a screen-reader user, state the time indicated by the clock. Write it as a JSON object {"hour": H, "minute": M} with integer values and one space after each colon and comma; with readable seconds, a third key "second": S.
{"hour": 4, "minute": 0}
